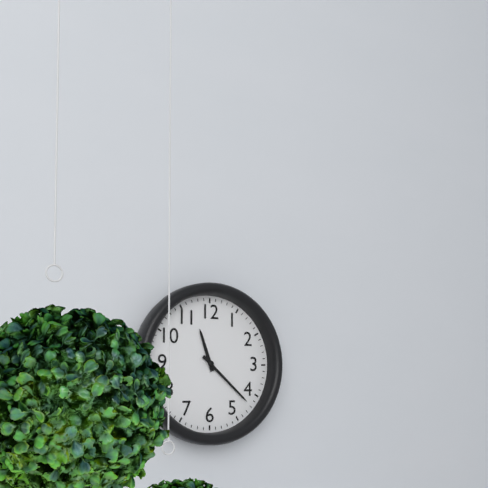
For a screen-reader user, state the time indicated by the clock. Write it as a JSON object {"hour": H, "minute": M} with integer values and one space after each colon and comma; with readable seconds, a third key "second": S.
{"hour": 11, "minute": 22}
